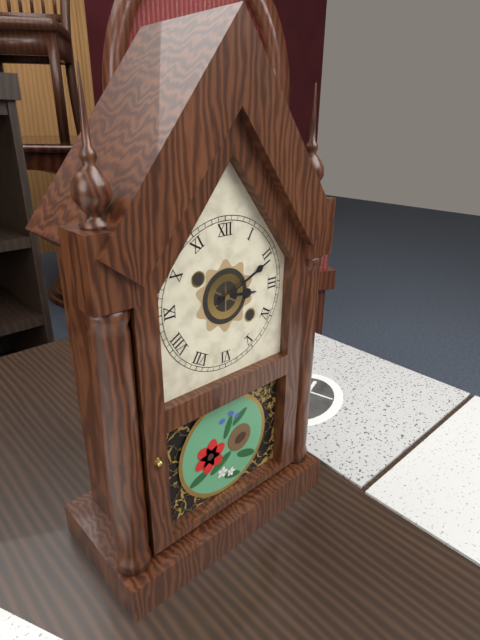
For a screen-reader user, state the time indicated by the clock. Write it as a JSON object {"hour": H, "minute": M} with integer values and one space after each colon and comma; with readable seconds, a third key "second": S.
{"hour": 3, "minute": 11}
